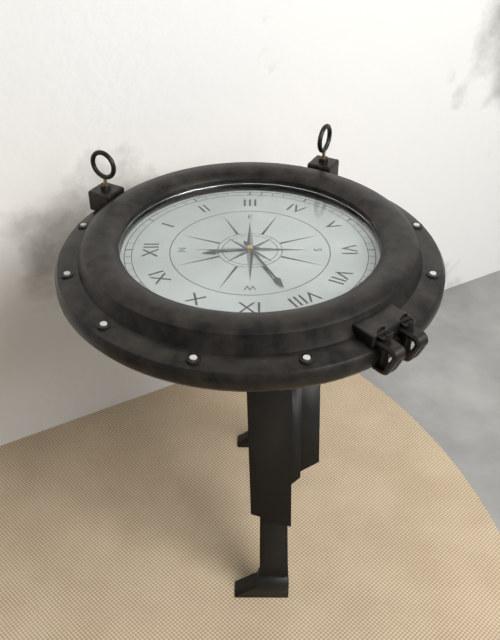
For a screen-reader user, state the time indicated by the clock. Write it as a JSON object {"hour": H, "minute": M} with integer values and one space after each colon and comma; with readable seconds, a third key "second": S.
{"hour": 11, "minute": 41}
